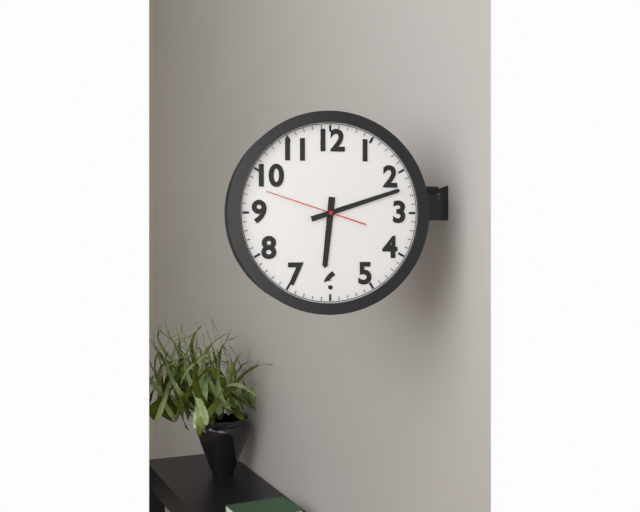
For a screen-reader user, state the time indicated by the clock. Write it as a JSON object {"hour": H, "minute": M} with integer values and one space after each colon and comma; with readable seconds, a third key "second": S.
{"hour": 6, "minute": 12, "second": 48}
